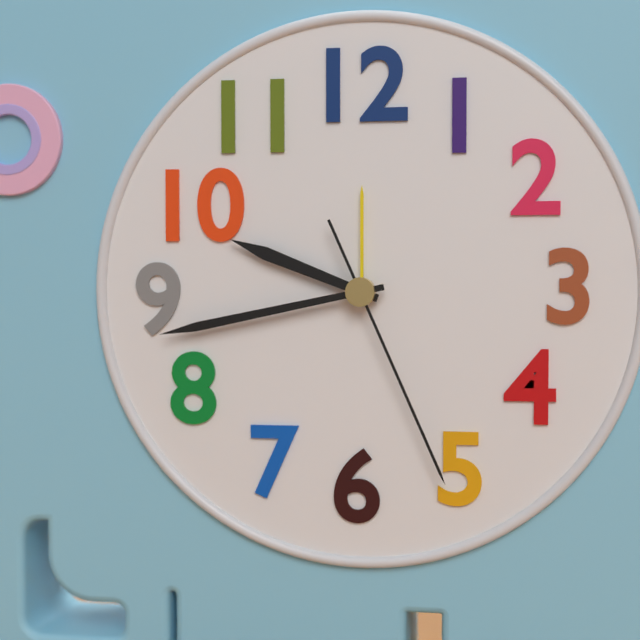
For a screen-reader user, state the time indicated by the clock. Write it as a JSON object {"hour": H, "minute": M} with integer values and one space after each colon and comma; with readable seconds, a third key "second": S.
{"hour": 9, "minute": 43, "second": 26}
